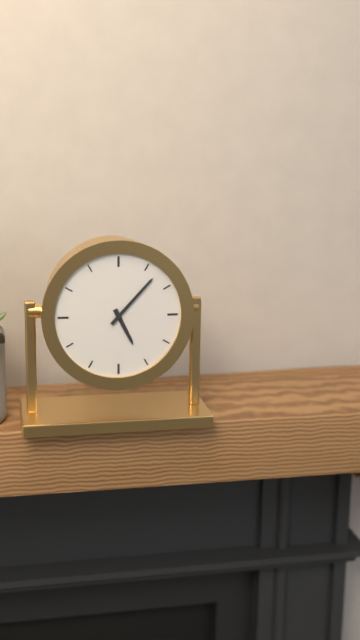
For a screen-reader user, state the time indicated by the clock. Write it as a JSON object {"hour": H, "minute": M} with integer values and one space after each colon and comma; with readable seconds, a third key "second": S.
{"hour": 5, "minute": 7}
